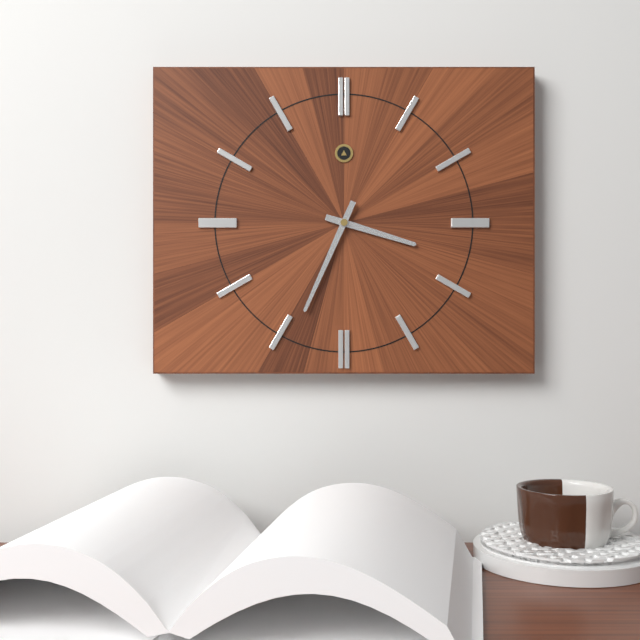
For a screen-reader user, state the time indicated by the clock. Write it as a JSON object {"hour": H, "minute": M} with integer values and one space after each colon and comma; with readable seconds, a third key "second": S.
{"hour": 3, "minute": 34}
